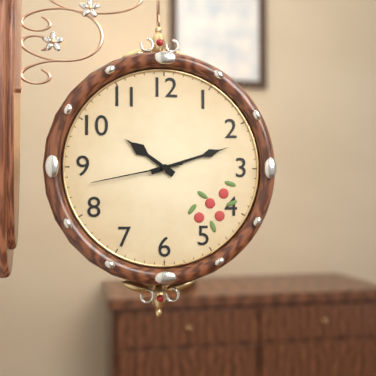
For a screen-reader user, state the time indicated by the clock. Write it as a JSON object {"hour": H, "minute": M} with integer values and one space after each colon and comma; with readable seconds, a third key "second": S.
{"hour": 10, "minute": 12, "second": 43}
